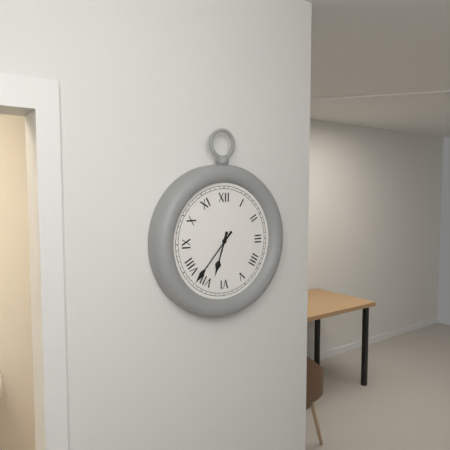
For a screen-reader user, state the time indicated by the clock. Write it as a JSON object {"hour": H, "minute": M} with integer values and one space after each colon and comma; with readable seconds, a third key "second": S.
{"hour": 6, "minute": 37}
